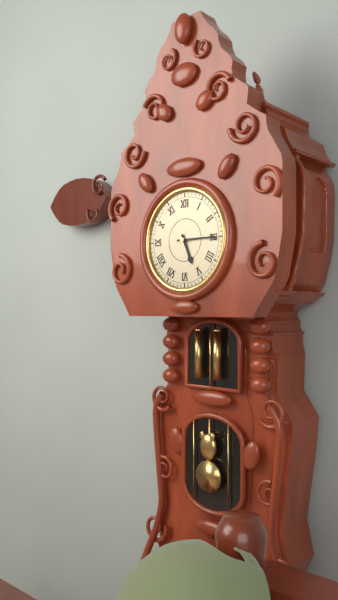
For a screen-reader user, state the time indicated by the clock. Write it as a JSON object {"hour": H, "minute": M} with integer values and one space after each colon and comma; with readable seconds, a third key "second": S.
{"hour": 5, "minute": 15}
